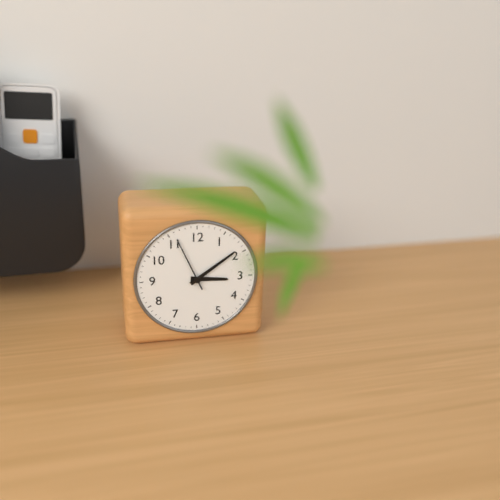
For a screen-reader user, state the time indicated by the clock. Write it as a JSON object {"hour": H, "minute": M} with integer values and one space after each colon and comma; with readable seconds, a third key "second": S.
{"hour": 3, "minute": 9, "second": 56}
